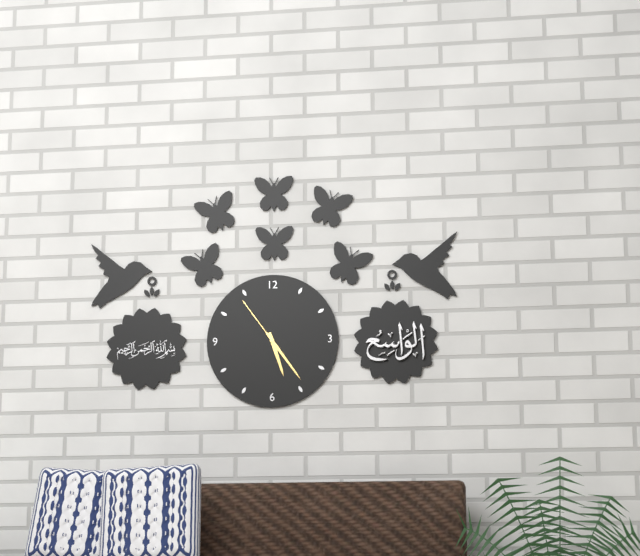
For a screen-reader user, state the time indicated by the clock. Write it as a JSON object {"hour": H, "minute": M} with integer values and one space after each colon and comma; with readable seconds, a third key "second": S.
{"hour": 5, "minute": 24, "second": 54}
